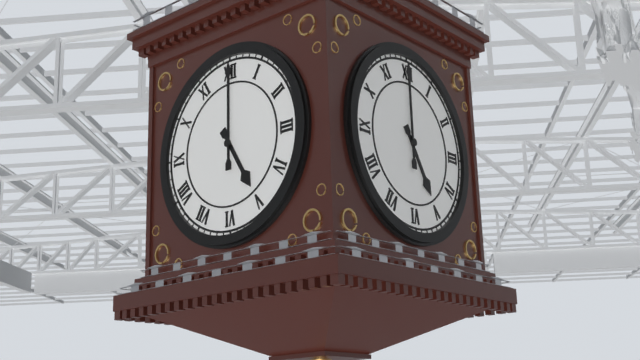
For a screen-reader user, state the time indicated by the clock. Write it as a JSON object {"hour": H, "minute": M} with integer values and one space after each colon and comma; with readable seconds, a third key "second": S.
{"hour": 5, "minute": 0}
